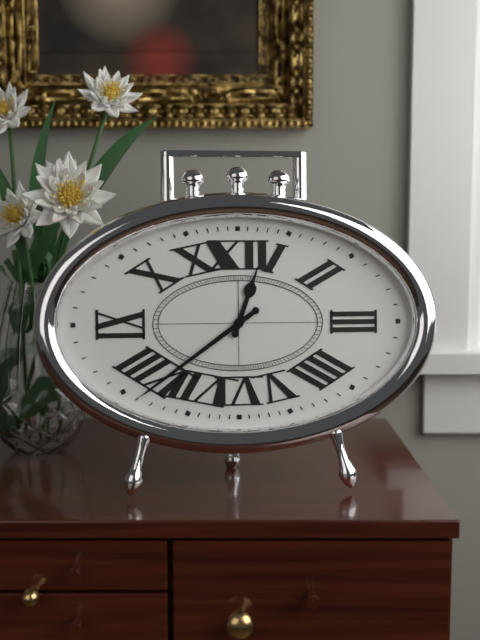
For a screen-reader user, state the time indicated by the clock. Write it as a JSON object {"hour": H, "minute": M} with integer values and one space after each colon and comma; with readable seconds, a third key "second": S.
{"hour": 12, "minute": 39}
